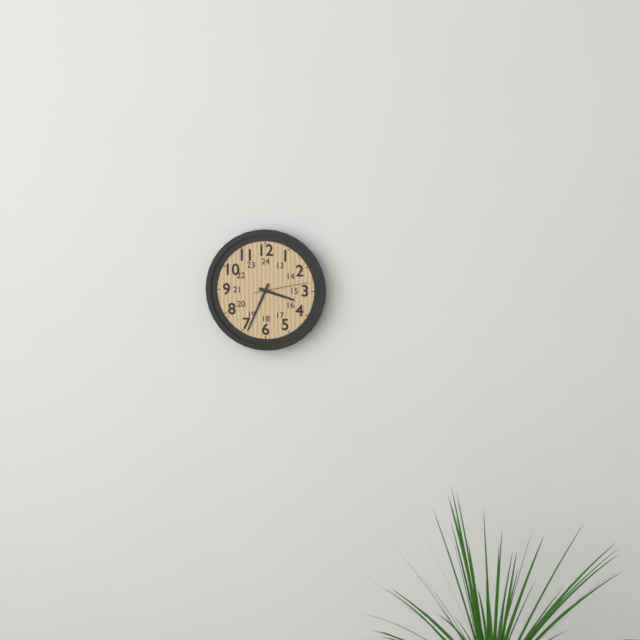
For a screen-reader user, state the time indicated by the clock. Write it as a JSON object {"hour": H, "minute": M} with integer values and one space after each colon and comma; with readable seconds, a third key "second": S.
{"hour": 3, "minute": 34, "second": 13}
